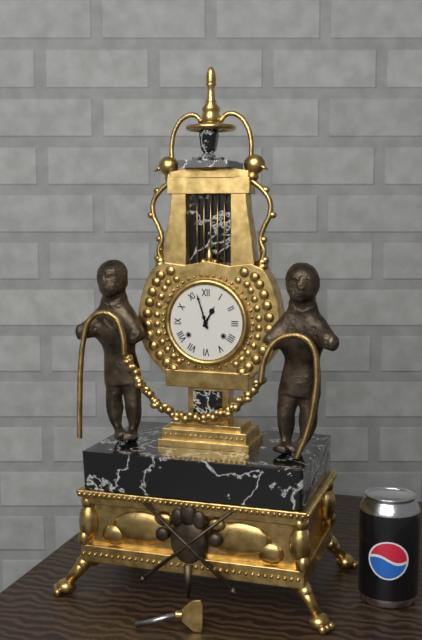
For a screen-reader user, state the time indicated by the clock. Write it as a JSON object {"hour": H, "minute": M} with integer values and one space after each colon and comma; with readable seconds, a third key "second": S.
{"hour": 12, "minute": 57}
